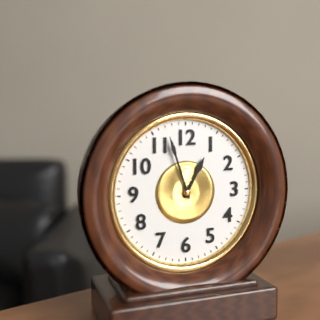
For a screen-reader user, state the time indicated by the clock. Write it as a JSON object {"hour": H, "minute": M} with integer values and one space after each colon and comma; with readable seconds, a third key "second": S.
{"hour": 12, "minute": 57}
